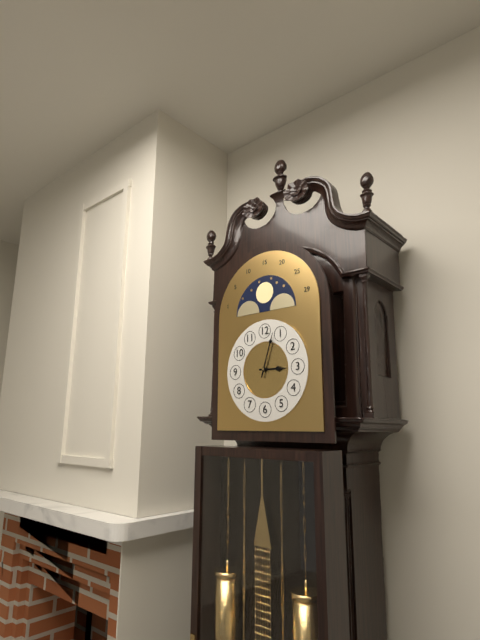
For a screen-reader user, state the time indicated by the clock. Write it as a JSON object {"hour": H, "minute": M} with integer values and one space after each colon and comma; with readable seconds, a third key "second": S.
{"hour": 3, "minute": 3}
